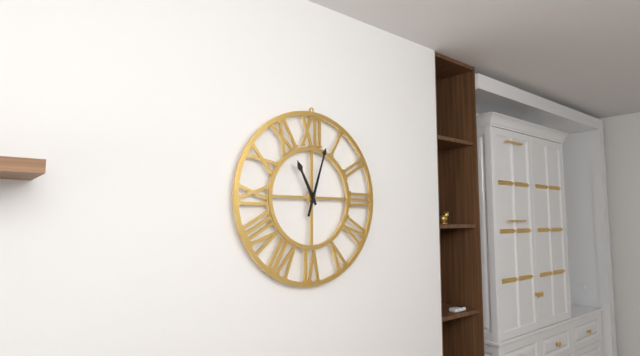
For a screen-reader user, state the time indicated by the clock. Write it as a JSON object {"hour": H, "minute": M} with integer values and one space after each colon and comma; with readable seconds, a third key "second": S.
{"hour": 11, "minute": 3}
